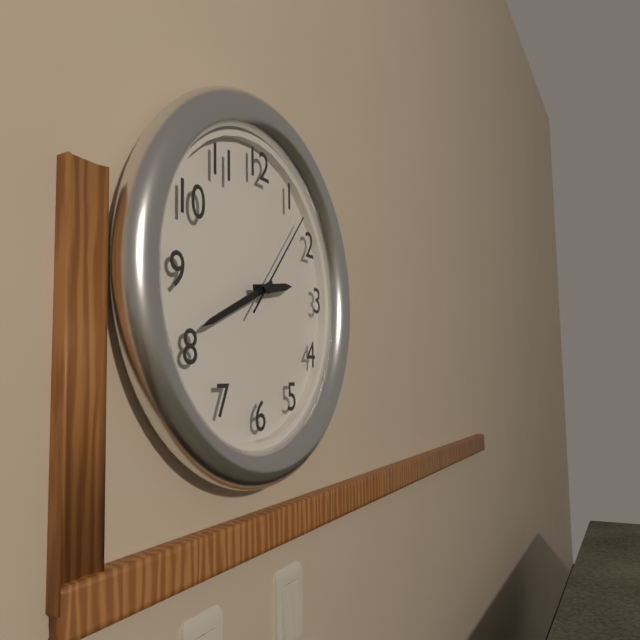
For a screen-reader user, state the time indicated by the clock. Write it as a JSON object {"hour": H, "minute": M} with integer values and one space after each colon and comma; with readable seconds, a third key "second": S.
{"hour": 2, "minute": 41, "second": 7}
